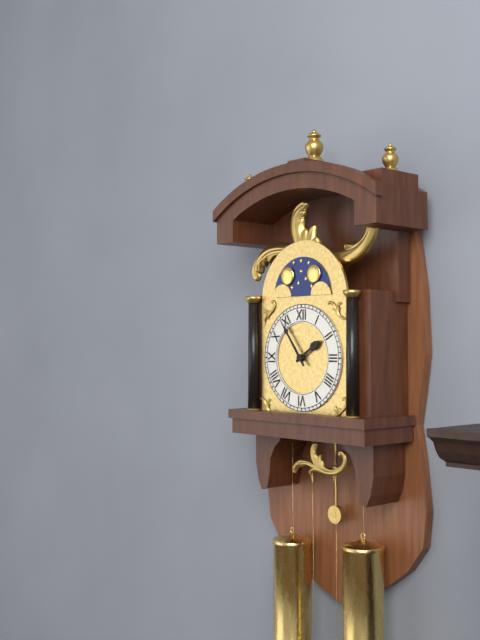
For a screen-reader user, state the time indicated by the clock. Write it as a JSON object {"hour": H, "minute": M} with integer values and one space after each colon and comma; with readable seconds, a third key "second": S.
{"hour": 1, "minute": 54}
